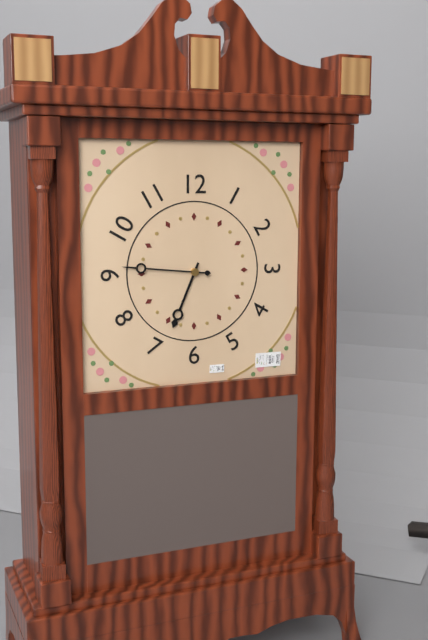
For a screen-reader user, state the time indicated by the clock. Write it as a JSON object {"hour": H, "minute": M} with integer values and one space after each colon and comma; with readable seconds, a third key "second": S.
{"hour": 6, "minute": 46}
